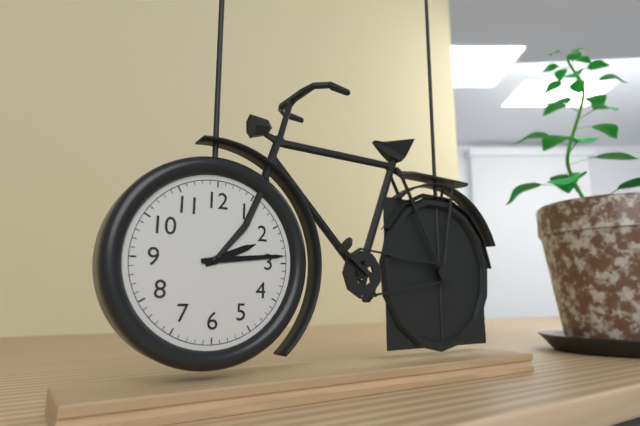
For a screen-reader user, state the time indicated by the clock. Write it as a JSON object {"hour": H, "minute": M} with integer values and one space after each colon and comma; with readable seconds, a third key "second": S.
{"hour": 2, "minute": 14}
